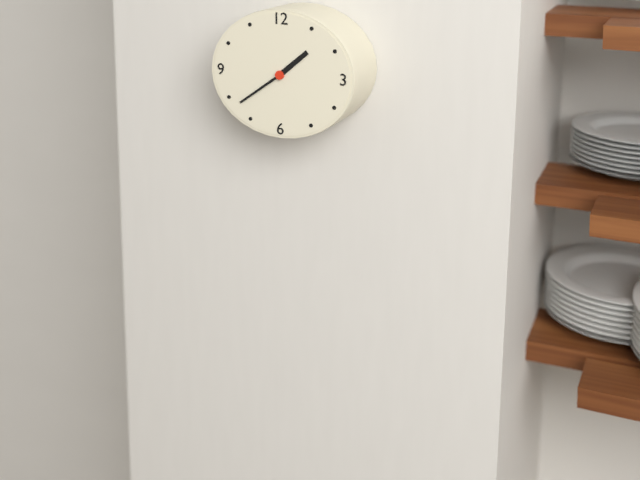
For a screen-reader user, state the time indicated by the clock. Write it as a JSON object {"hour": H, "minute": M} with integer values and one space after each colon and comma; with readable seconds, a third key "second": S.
{"hour": 1, "minute": 39}
